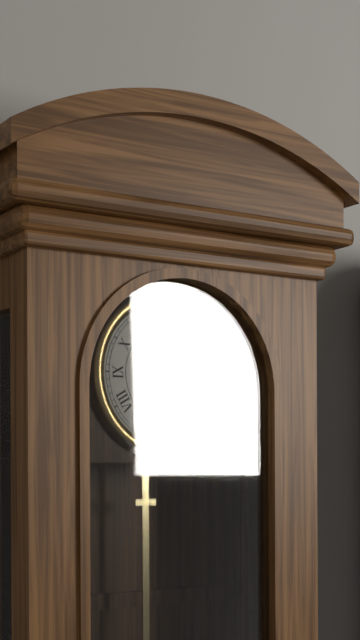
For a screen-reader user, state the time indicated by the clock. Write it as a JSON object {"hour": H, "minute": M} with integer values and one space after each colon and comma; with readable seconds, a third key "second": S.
{"hour": 5, "minute": 28}
